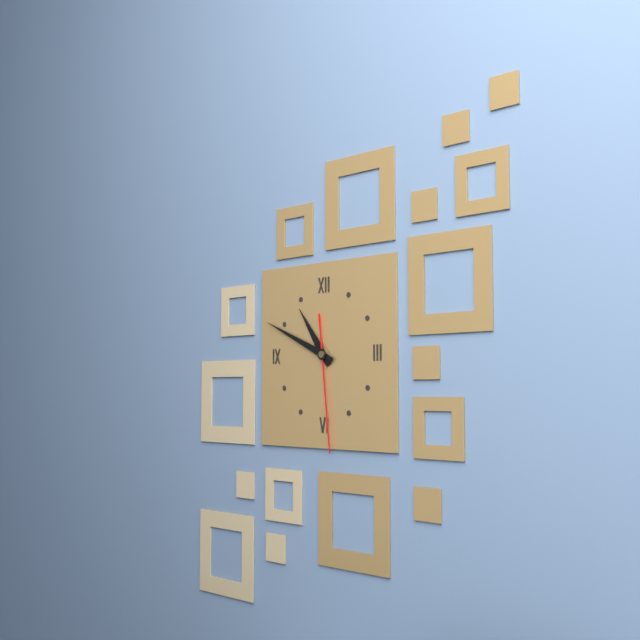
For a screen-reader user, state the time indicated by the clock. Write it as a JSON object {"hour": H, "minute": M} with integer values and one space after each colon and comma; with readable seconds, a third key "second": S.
{"hour": 10, "minute": 49, "second": 29}
